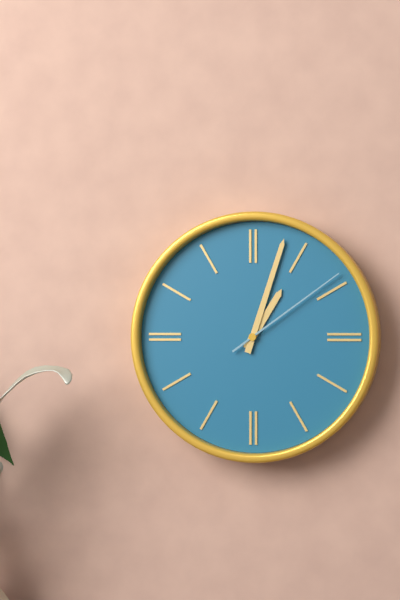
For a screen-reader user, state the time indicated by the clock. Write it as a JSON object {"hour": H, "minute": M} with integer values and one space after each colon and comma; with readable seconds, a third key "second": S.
{"hour": 1, "minute": 3, "second": 9}
